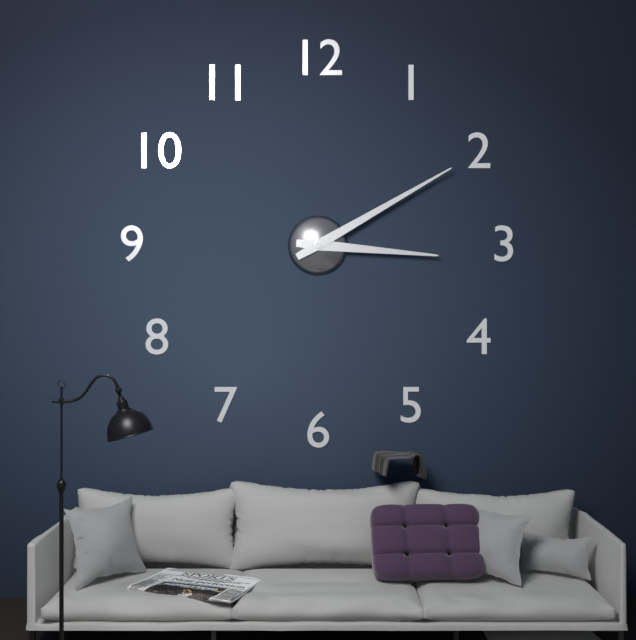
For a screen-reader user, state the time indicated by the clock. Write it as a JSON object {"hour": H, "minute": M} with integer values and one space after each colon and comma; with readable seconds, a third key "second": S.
{"hour": 3, "minute": 10}
